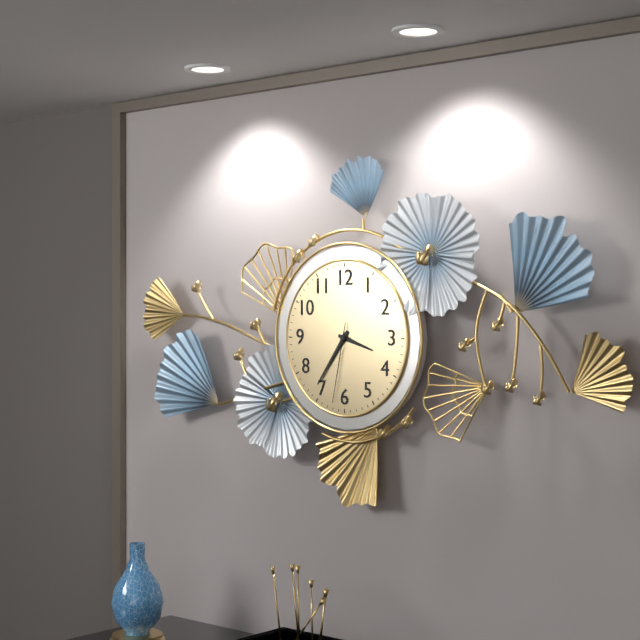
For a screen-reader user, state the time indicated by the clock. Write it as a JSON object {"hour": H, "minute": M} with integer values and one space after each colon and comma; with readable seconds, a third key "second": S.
{"hour": 3, "minute": 36, "second": 32}
